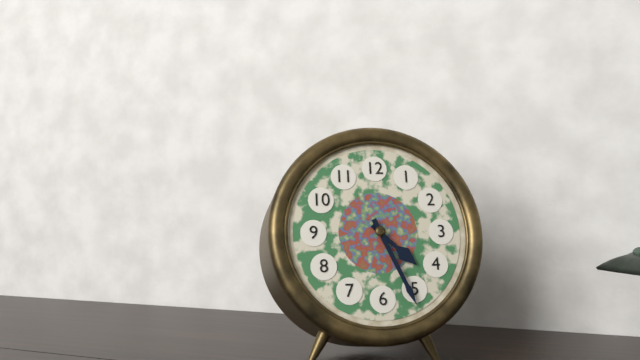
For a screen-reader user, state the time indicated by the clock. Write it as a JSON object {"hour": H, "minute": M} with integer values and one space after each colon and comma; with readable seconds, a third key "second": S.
{"hour": 4, "minute": 26}
